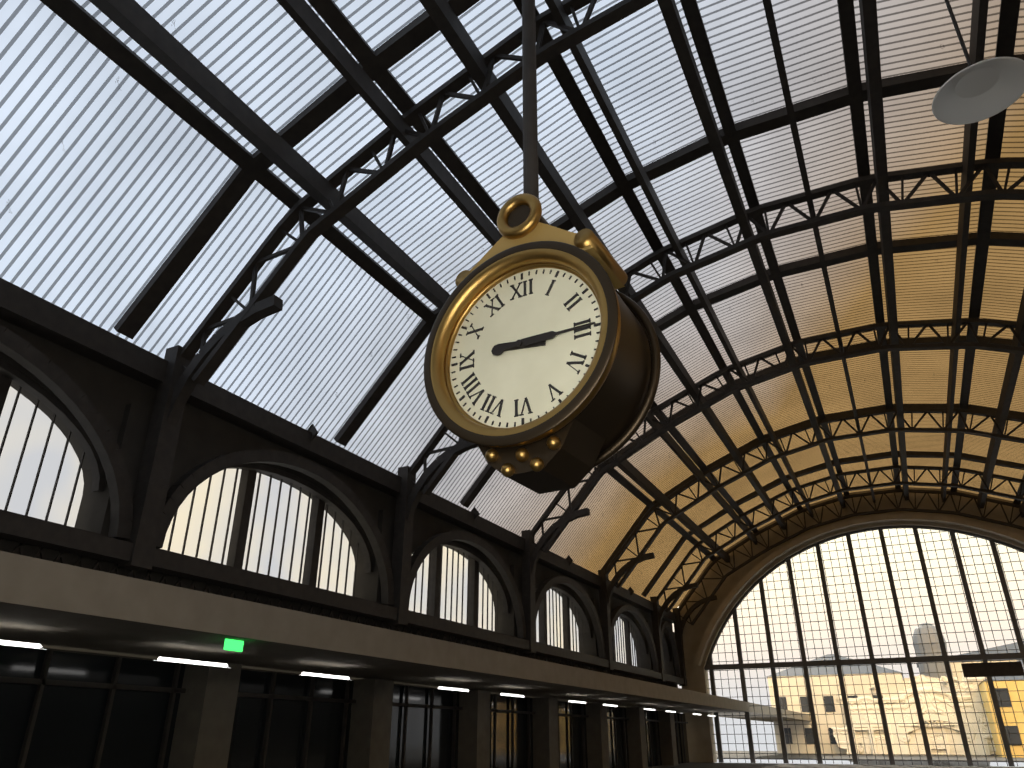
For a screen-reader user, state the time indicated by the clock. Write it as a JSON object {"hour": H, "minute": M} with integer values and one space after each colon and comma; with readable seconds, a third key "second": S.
{"hour": 9, "minute": 15}
